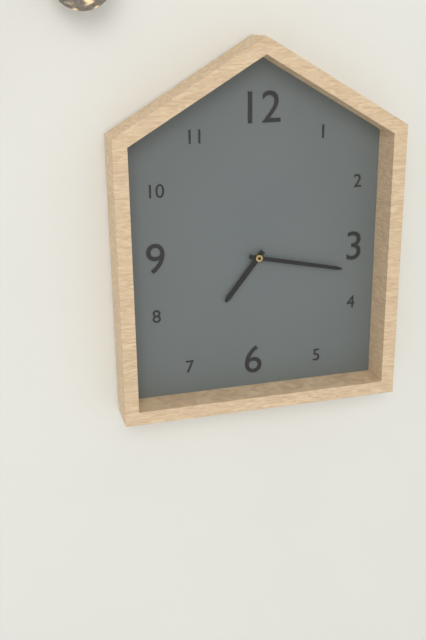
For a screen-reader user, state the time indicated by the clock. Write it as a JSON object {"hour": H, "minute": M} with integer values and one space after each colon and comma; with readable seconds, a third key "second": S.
{"hour": 7, "minute": 17}
